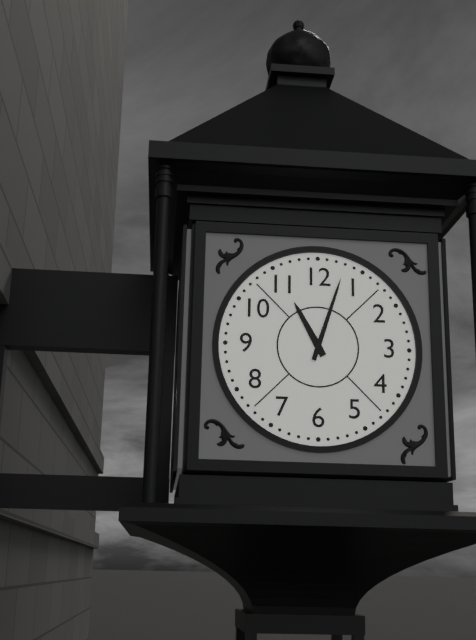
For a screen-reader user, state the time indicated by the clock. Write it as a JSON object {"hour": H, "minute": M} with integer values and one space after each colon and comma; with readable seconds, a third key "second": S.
{"hour": 11, "minute": 3}
